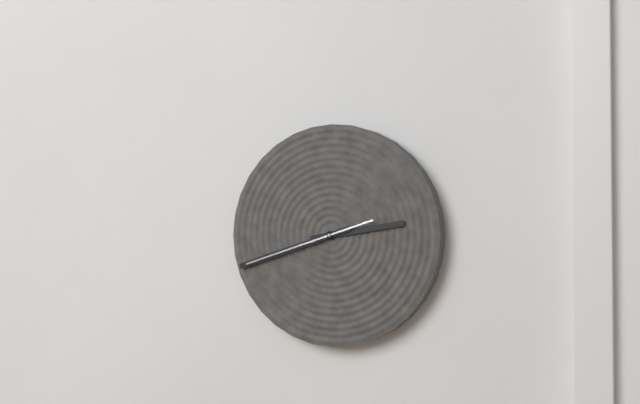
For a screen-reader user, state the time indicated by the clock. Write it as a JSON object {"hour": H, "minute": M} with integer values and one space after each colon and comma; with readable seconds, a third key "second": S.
{"hour": 2, "minute": 42, "second": 42}
